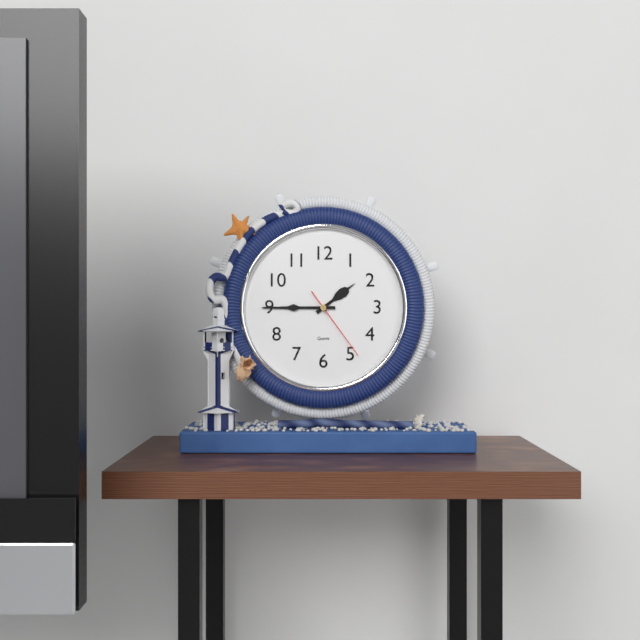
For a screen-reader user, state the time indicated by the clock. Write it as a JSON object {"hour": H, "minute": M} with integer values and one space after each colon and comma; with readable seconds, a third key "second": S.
{"hour": 1, "minute": 45, "second": 24}
